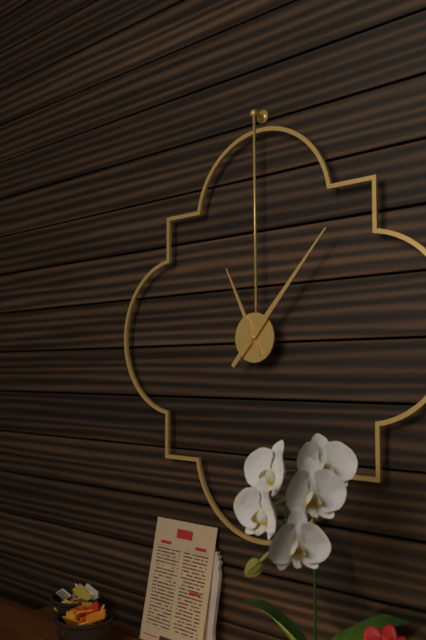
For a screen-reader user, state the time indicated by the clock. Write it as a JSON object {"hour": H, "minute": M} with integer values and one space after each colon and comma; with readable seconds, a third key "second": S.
{"hour": 11, "minute": 7}
